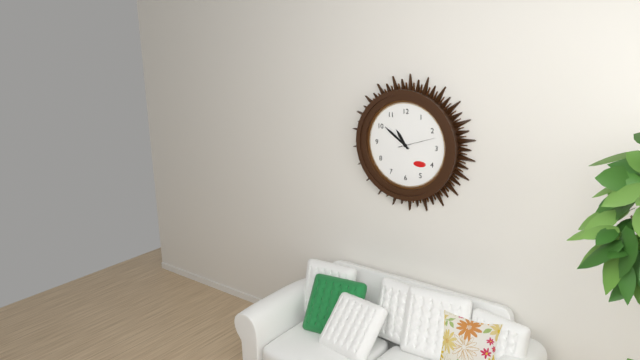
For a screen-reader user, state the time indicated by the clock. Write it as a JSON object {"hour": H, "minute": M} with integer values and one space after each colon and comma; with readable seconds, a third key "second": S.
{"hour": 10, "minute": 51}
